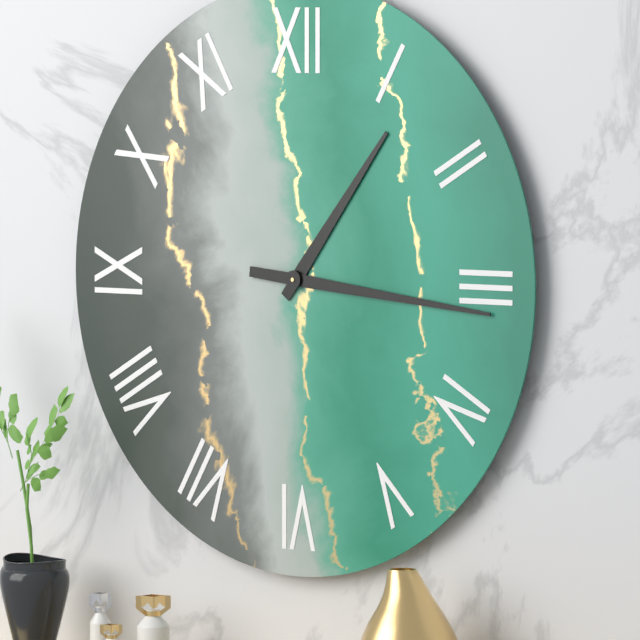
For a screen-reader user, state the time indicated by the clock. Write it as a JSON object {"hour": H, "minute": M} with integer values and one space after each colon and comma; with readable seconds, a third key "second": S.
{"hour": 1, "minute": 16}
